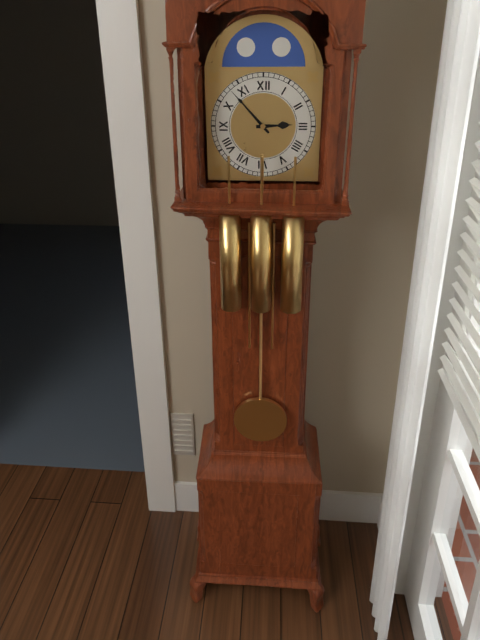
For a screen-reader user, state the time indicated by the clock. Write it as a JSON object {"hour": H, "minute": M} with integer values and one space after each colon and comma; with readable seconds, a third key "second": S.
{"hour": 2, "minute": 53}
